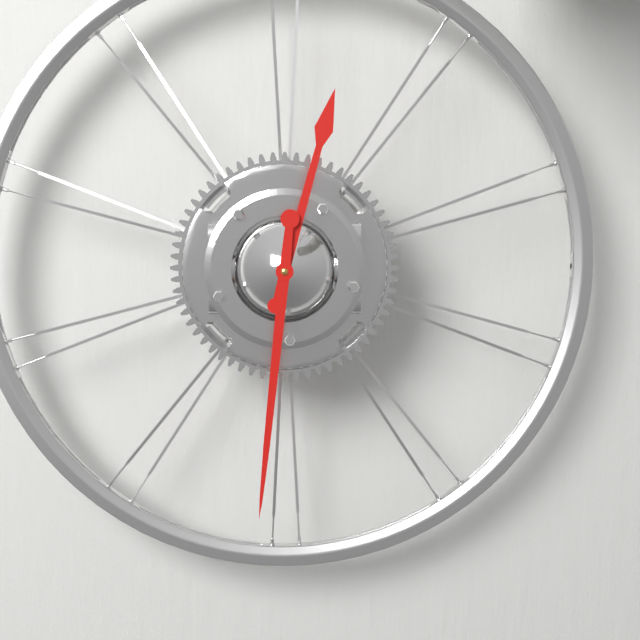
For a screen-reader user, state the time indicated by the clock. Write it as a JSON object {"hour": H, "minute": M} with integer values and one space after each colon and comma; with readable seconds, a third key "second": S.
{"hour": 12, "minute": 31}
